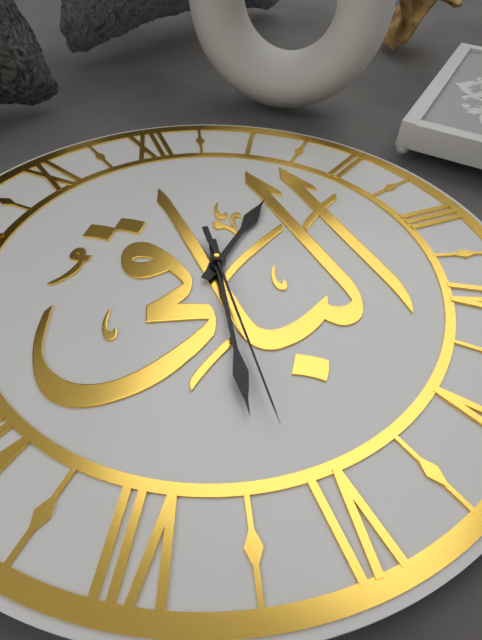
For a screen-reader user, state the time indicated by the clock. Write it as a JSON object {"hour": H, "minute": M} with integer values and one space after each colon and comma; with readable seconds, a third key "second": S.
{"hour": 1, "minute": 32, "second": 31}
